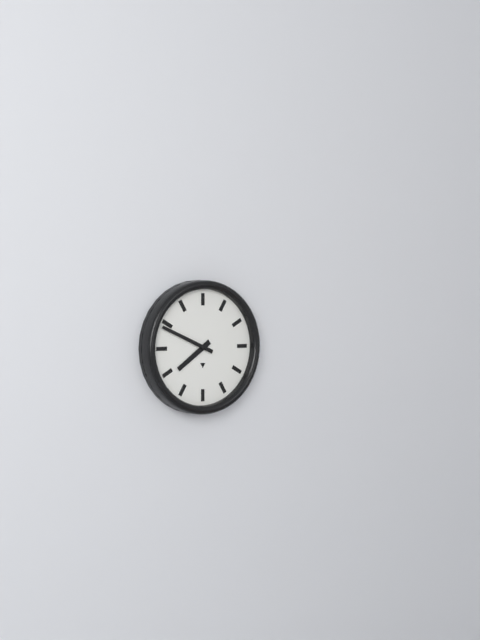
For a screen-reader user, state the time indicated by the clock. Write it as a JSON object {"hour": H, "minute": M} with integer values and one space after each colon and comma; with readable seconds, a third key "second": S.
{"hour": 7, "minute": 49}
